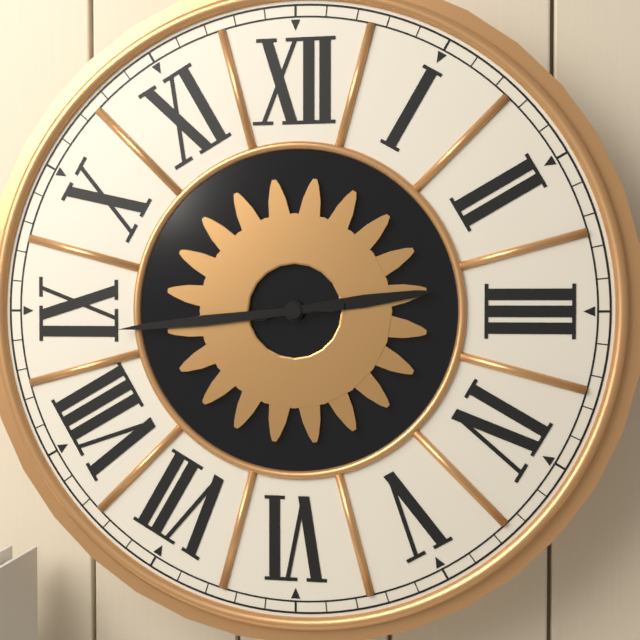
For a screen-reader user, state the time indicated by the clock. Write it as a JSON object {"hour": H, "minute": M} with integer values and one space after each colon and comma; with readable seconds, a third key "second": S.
{"hour": 2, "minute": 44}
